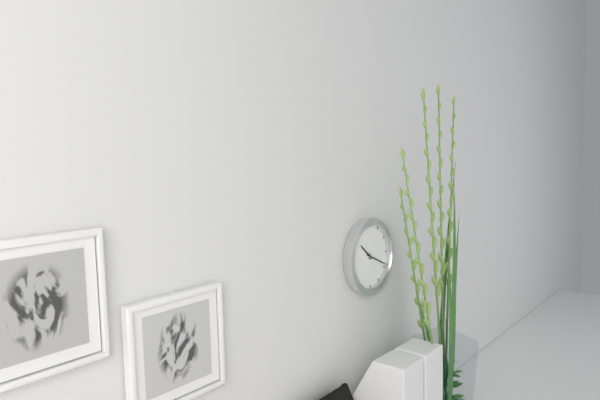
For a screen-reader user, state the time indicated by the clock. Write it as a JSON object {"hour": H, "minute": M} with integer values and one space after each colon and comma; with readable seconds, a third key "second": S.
{"hour": 10, "minute": 19}
